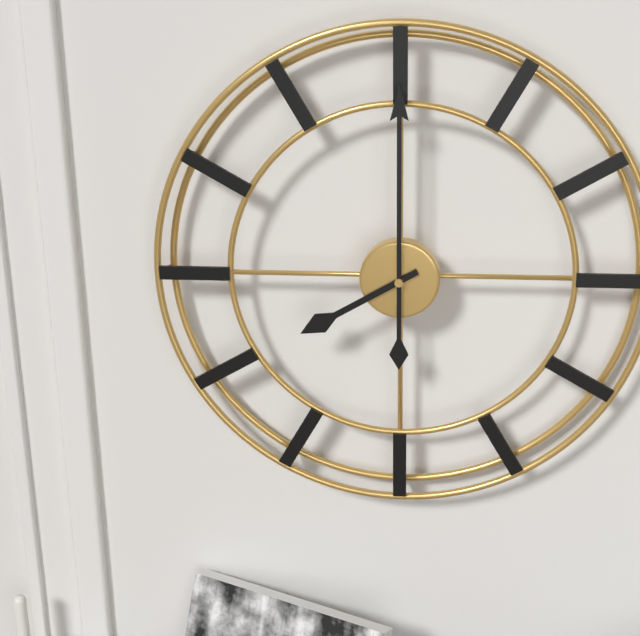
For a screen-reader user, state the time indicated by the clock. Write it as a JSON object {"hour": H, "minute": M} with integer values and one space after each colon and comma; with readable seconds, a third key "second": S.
{"hour": 8, "minute": 0}
